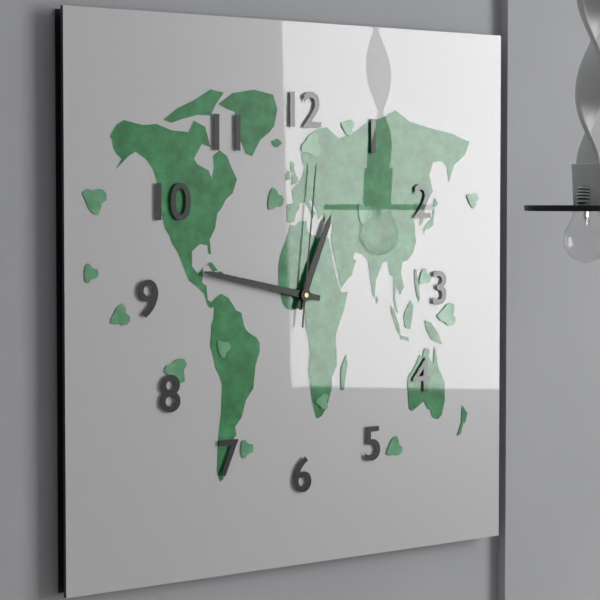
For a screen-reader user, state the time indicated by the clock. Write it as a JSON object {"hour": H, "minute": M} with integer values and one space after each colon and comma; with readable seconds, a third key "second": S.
{"hour": 12, "minute": 47, "second": 1}
